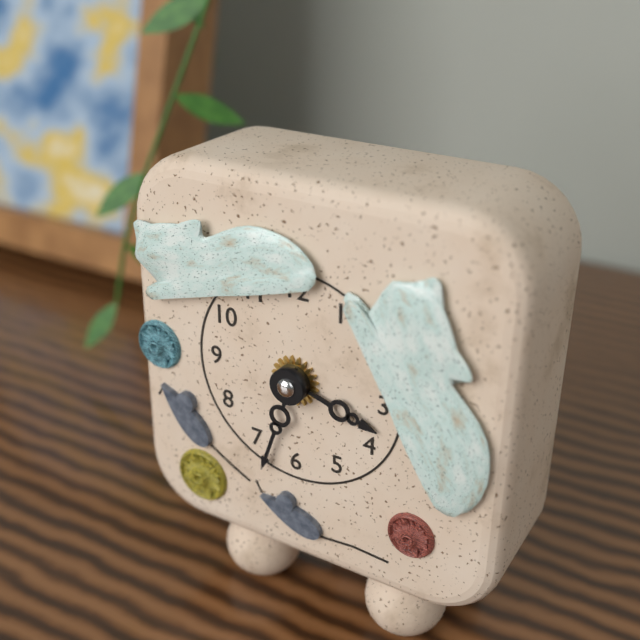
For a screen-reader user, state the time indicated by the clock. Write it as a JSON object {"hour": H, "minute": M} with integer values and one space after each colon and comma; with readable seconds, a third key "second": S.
{"hour": 3, "minute": 33}
